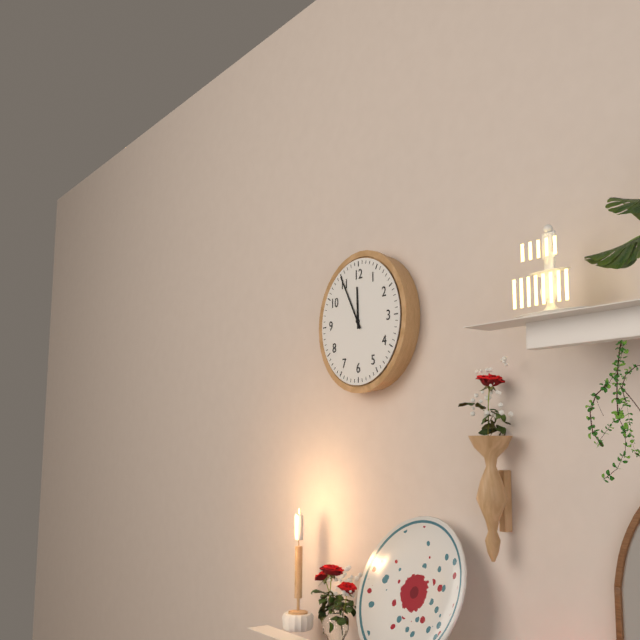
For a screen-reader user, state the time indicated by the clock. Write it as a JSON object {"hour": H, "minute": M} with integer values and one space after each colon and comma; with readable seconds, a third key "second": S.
{"hour": 11, "minute": 55}
